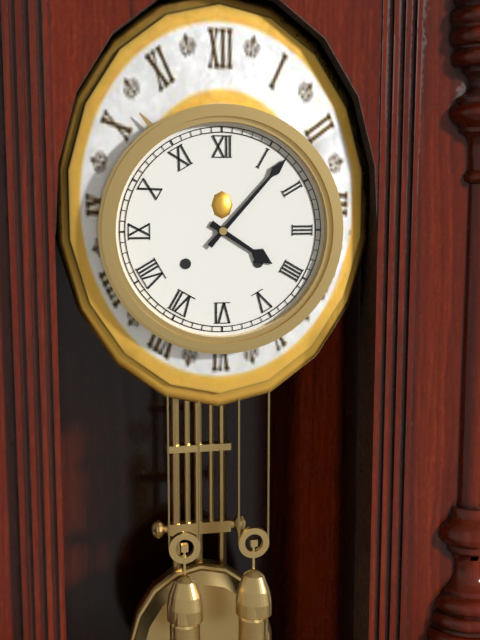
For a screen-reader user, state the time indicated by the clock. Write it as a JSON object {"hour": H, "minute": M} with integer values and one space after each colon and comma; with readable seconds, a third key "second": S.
{"hour": 4, "minute": 7}
